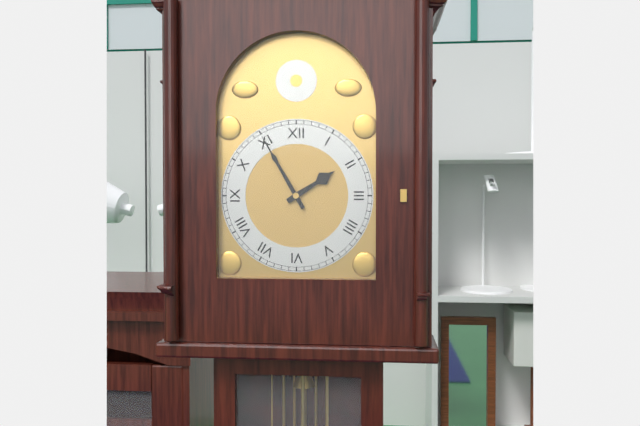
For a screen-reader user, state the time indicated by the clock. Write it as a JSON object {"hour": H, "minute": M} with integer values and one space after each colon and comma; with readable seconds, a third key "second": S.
{"hour": 1, "minute": 55}
